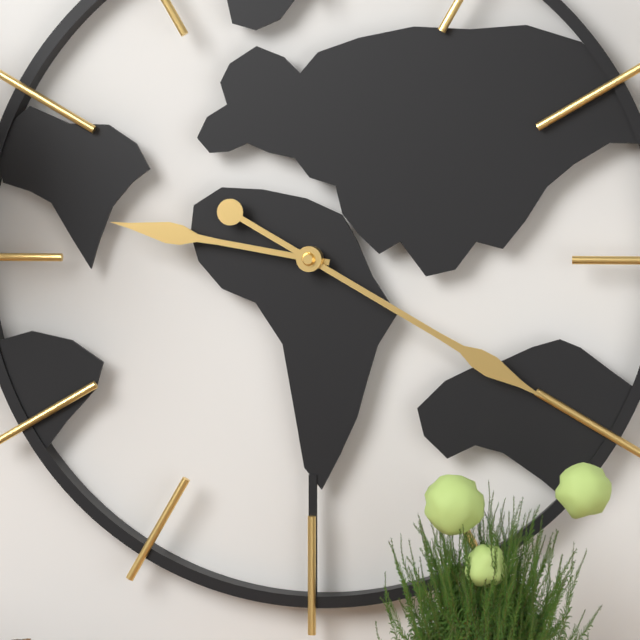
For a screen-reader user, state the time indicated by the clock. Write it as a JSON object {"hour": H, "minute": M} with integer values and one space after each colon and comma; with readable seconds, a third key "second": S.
{"hour": 9, "minute": 20}
